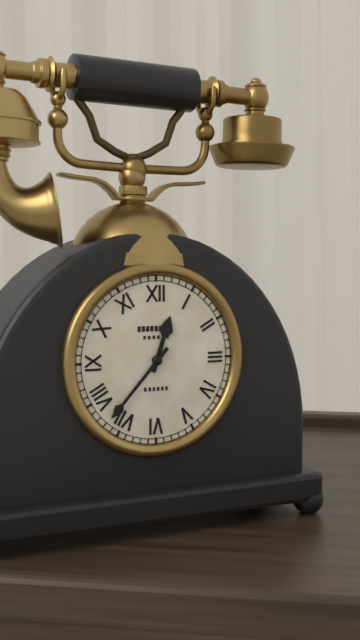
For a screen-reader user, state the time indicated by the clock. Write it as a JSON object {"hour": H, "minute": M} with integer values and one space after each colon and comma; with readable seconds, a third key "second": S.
{"hour": 12, "minute": 37}
